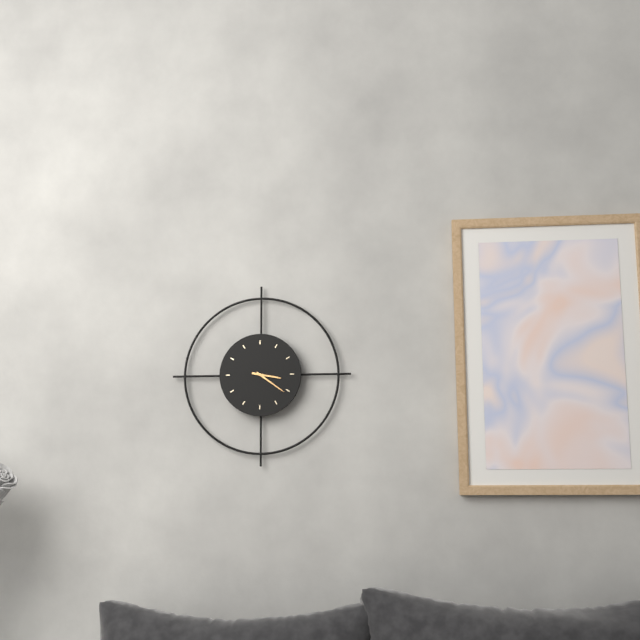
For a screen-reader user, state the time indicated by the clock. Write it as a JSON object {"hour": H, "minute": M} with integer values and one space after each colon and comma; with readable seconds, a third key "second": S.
{"hour": 3, "minute": 21}
